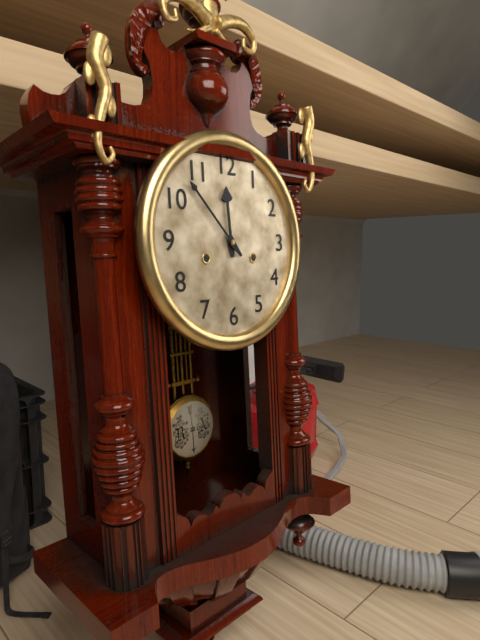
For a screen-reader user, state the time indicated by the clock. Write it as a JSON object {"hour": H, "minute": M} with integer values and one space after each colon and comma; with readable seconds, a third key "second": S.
{"hour": 11, "minute": 53}
